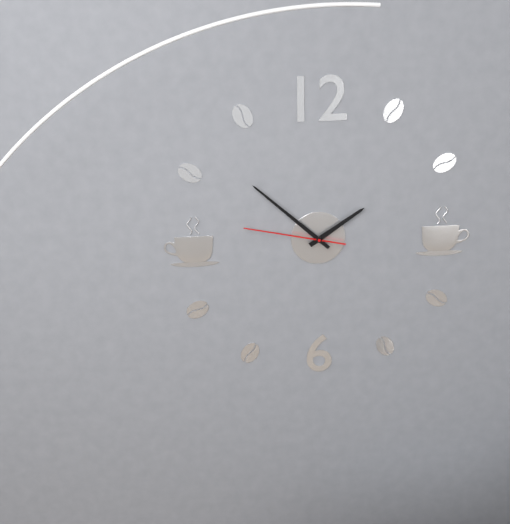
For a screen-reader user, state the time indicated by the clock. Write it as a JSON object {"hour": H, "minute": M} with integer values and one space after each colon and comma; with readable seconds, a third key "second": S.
{"hour": 1, "minute": 52, "second": 47}
